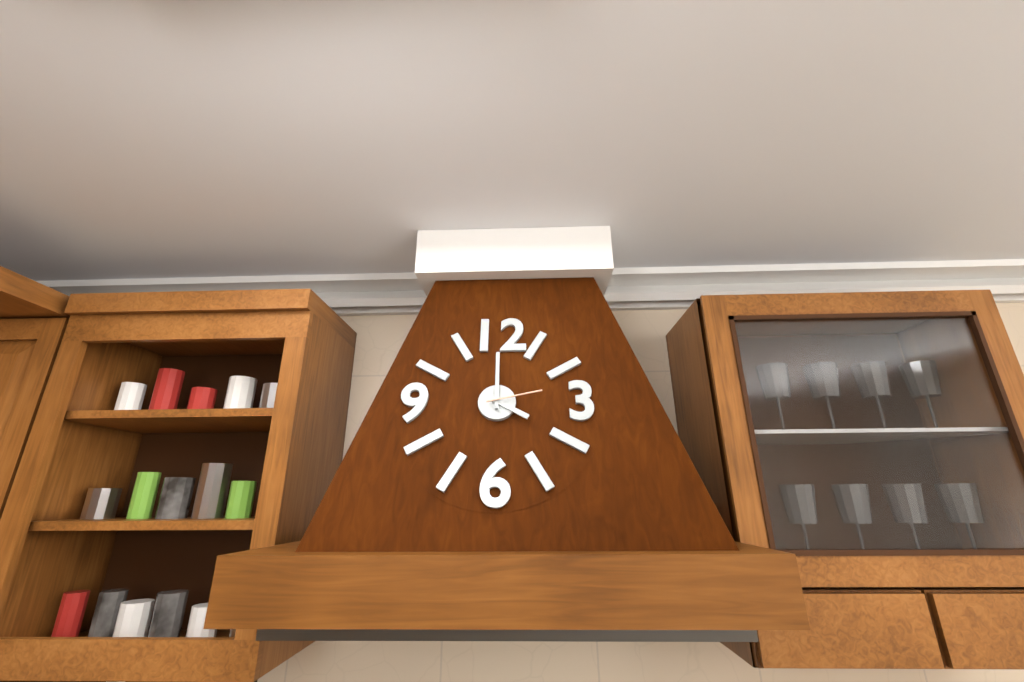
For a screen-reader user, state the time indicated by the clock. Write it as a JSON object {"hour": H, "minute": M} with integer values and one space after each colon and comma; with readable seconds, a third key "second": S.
{"hour": 4, "minute": 0, "second": 13}
